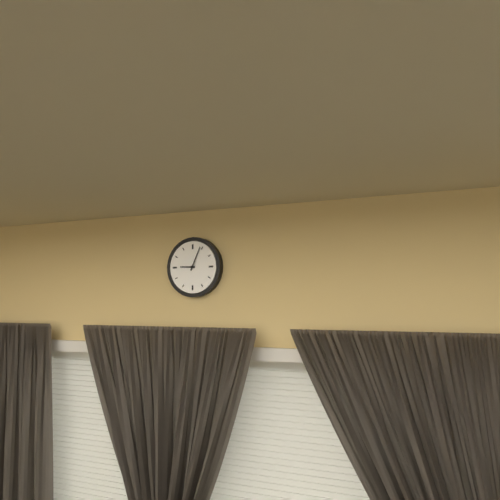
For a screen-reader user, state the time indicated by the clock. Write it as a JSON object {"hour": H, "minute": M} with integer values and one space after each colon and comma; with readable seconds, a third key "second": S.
{"hour": 9, "minute": 4}
